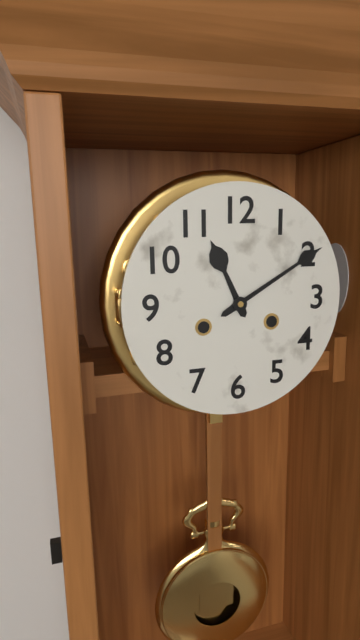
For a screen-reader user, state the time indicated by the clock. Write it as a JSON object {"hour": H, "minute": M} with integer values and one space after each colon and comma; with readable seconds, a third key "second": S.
{"hour": 11, "minute": 10}
